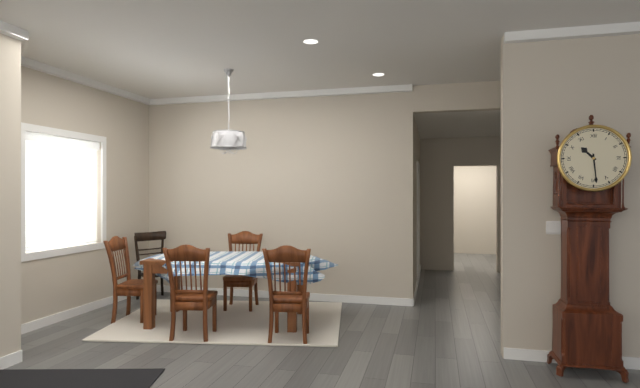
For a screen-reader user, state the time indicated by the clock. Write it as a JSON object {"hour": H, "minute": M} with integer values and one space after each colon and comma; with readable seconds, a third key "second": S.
{"hour": 10, "minute": 29}
